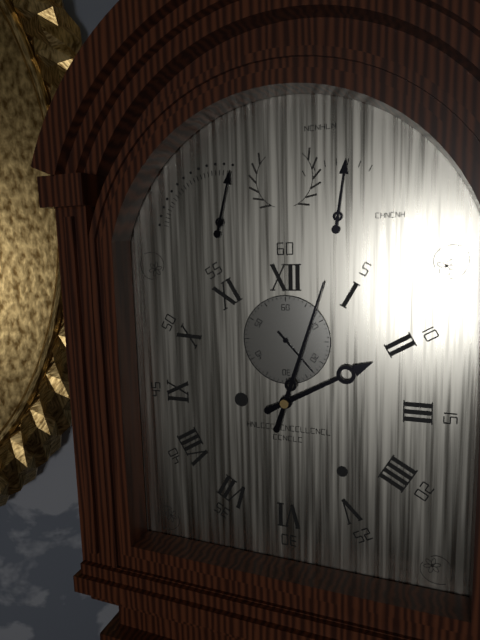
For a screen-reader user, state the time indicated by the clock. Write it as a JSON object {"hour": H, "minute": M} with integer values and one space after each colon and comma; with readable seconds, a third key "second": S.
{"hour": 2, "minute": 3, "second": 23}
